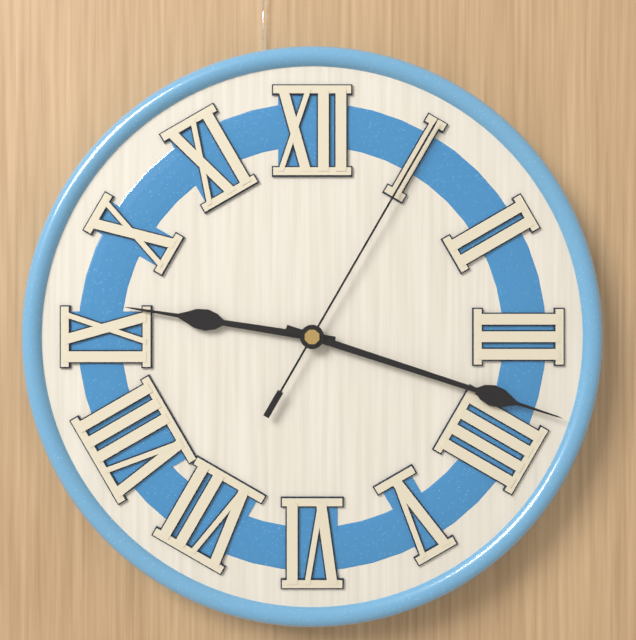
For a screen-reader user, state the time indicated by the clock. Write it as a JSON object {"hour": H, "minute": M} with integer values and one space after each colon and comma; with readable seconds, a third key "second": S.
{"hour": 9, "minute": 18, "second": 5}
